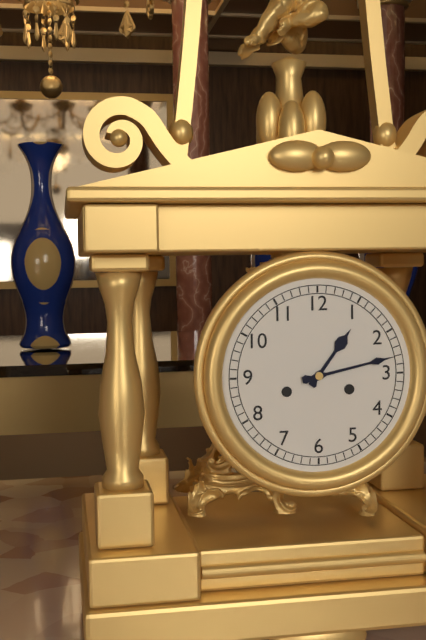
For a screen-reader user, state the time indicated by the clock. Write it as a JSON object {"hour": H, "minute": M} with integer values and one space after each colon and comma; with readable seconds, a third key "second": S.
{"hour": 1, "minute": 13}
